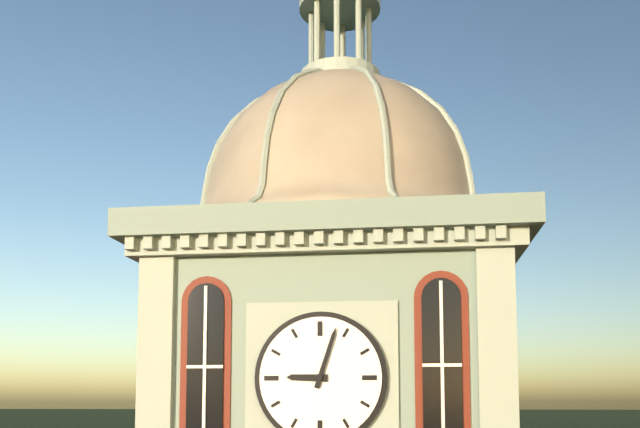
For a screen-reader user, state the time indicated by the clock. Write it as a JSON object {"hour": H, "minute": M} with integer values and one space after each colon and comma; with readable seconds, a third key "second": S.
{"hour": 9, "minute": 3}
